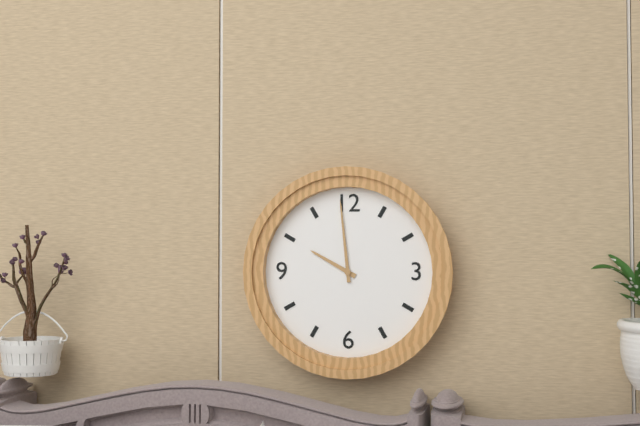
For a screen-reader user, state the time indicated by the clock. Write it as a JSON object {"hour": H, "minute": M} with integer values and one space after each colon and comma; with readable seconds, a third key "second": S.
{"hour": 9, "minute": 59}
